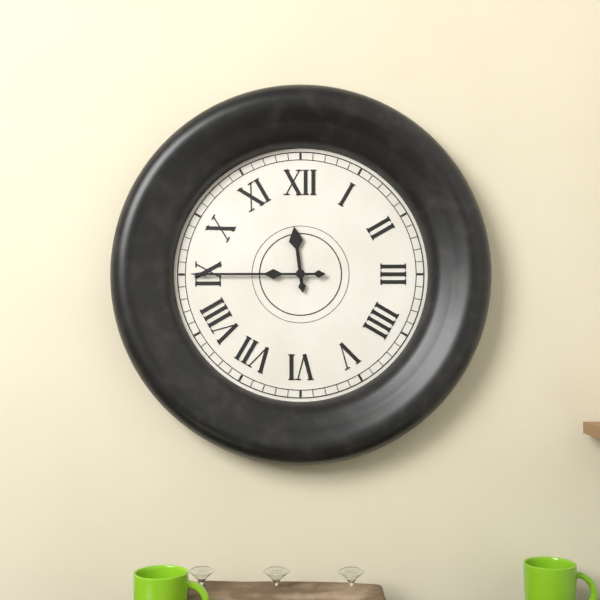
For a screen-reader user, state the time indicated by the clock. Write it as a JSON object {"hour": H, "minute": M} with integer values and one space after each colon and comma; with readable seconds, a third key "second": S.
{"hour": 11, "minute": 45}
